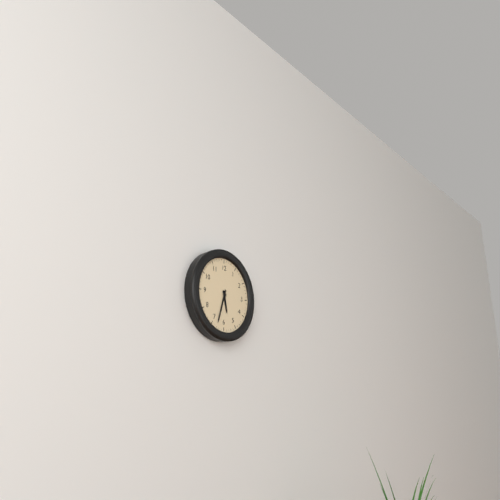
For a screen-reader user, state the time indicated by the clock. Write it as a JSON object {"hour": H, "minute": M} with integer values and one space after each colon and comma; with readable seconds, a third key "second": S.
{"hour": 5, "minute": 33}
